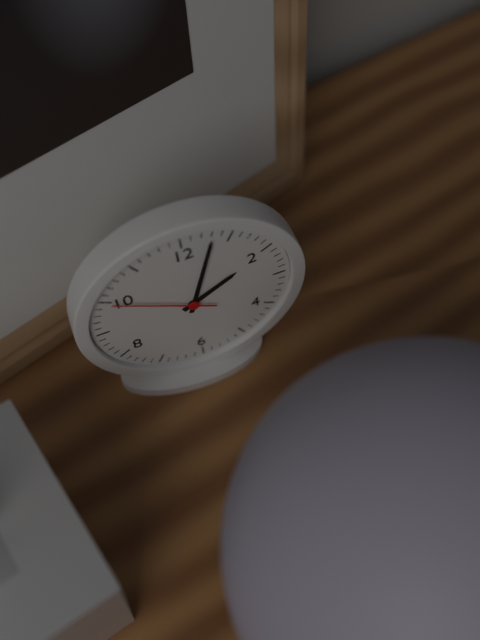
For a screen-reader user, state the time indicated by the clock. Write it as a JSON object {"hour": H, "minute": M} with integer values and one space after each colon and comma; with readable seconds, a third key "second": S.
{"hour": 2, "minute": 3, "second": 50}
